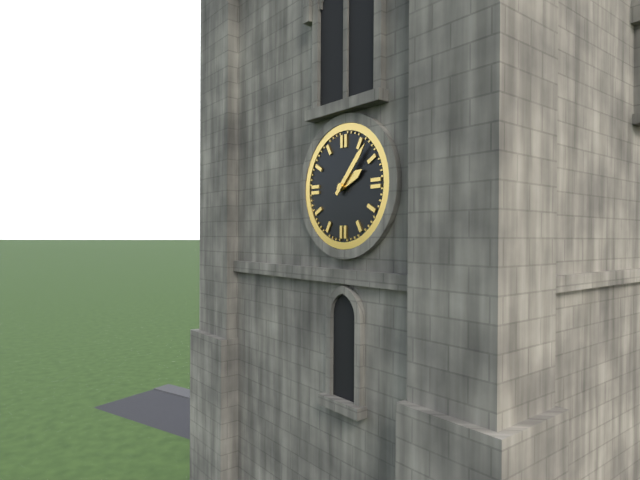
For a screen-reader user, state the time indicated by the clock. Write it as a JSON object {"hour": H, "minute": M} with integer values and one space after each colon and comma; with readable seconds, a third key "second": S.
{"hour": 2, "minute": 7}
